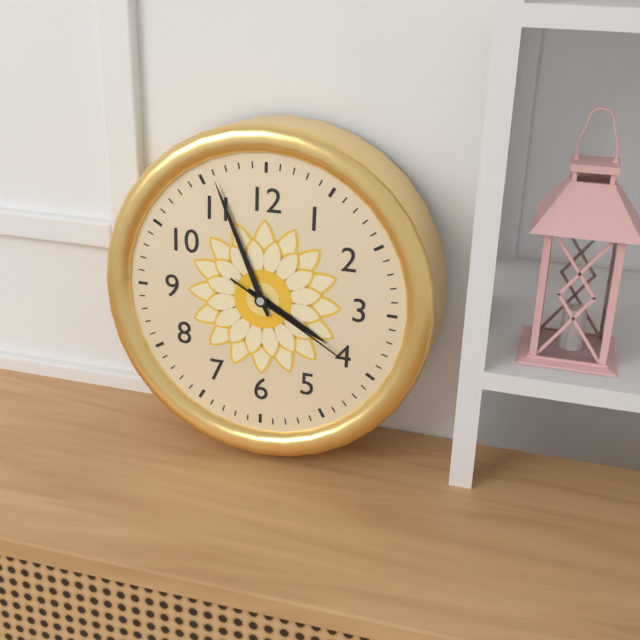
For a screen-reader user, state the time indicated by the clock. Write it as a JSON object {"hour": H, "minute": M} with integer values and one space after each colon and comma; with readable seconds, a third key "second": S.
{"hour": 3, "minute": 56, "second": 20}
